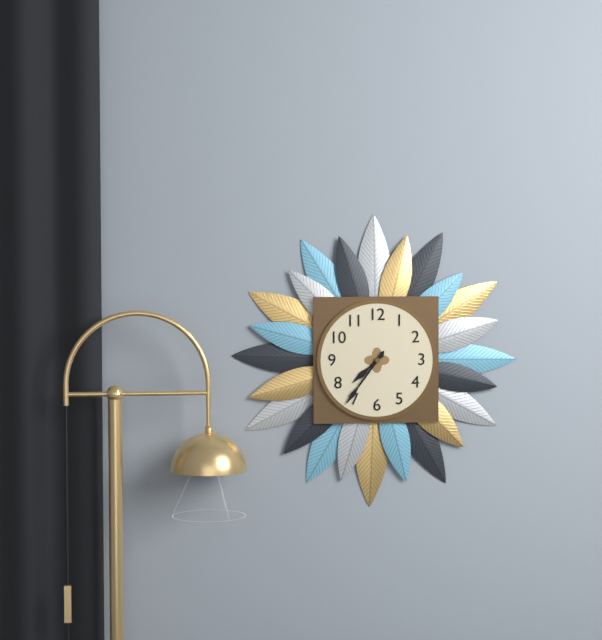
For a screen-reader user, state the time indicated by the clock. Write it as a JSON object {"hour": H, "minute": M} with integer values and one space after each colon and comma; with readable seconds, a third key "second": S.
{"hour": 7, "minute": 36}
